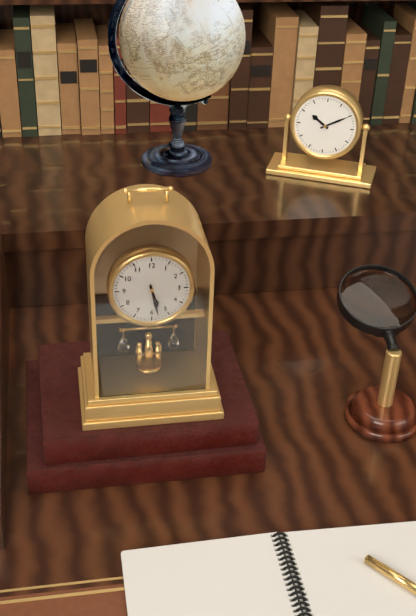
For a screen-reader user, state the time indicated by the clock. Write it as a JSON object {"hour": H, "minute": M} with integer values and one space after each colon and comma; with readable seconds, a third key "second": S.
{"hour": 5, "minute": 28}
